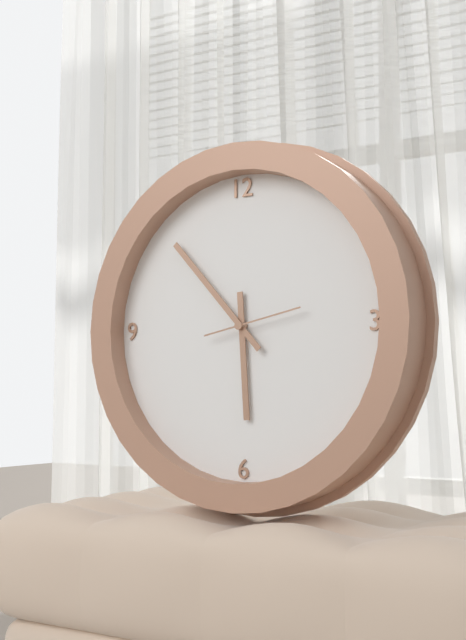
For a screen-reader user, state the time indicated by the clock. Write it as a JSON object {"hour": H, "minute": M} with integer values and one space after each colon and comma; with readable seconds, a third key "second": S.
{"hour": 5, "minute": 53, "second": 13}
